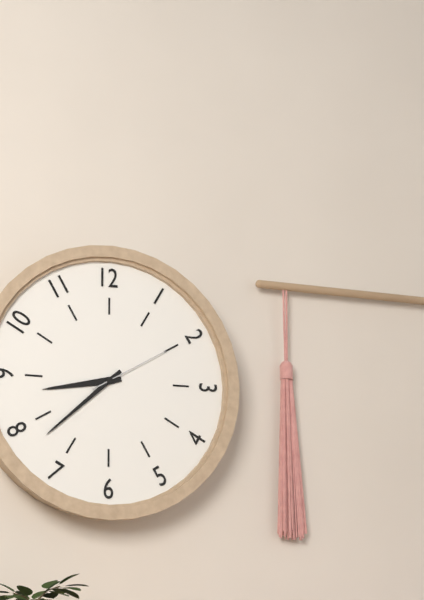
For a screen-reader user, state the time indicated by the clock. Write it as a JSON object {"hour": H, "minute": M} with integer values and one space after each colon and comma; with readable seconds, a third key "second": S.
{"hour": 8, "minute": 38, "second": 10}
